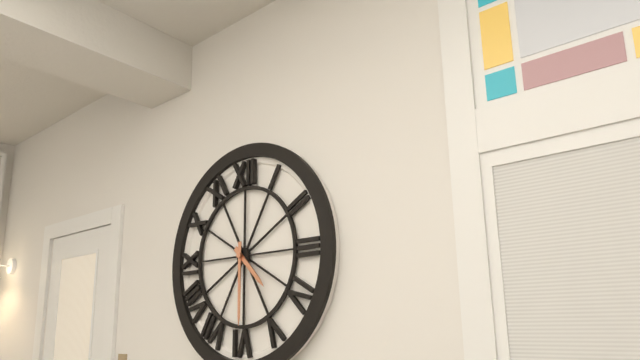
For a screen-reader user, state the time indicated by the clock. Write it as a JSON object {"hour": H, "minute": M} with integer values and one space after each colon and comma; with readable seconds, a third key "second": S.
{"hour": 4, "minute": 30}
